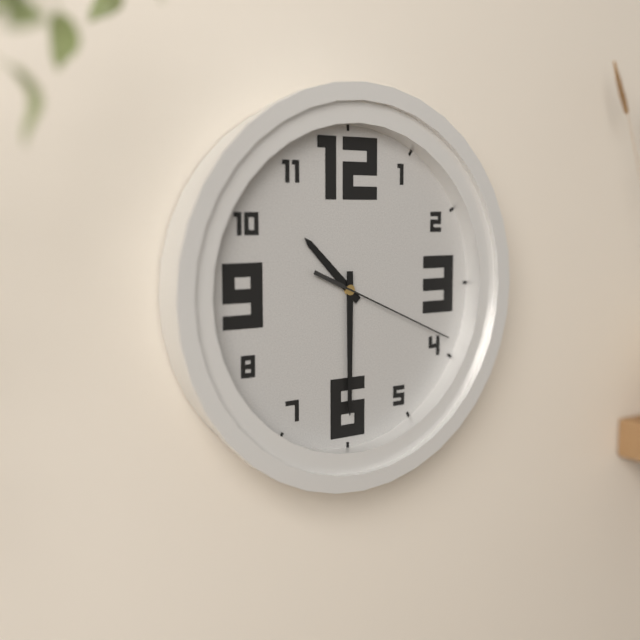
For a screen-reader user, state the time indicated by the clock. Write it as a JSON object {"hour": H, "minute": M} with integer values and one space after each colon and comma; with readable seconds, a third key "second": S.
{"hour": 10, "minute": 30, "second": 19}
